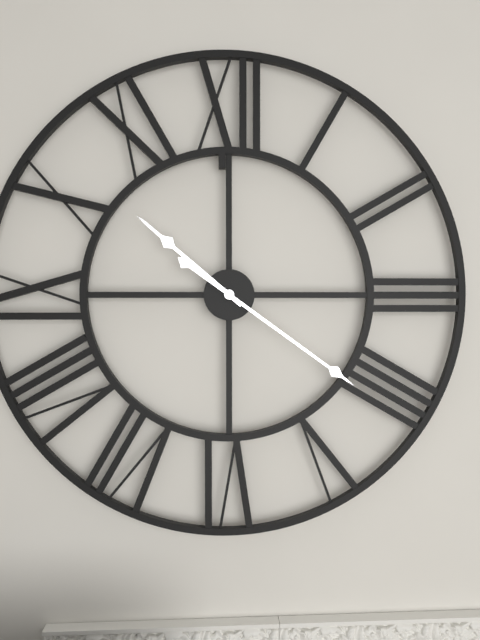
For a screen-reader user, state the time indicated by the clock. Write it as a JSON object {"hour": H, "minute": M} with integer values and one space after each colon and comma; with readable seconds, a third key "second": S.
{"hour": 10, "minute": 21}
